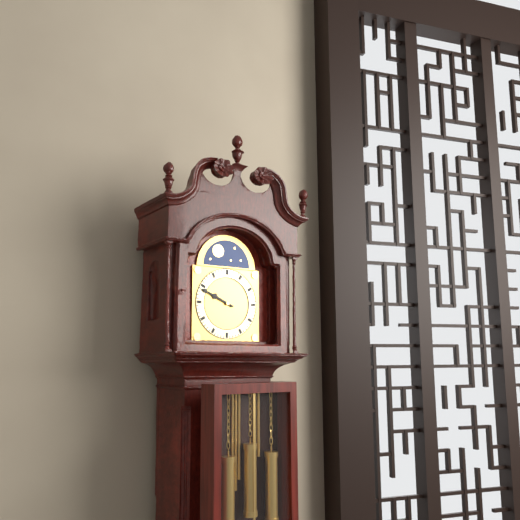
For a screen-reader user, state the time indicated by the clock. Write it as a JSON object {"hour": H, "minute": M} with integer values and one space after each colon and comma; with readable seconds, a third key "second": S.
{"hour": 9, "minute": 49}
